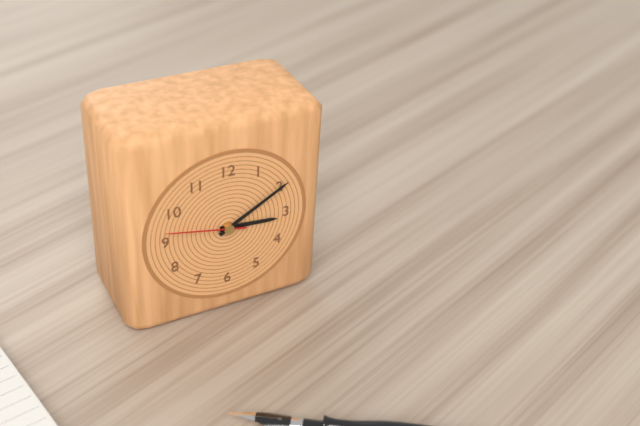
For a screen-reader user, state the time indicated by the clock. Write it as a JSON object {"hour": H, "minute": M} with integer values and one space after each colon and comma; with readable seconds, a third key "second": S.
{"hour": 3, "minute": 10, "second": 47}
